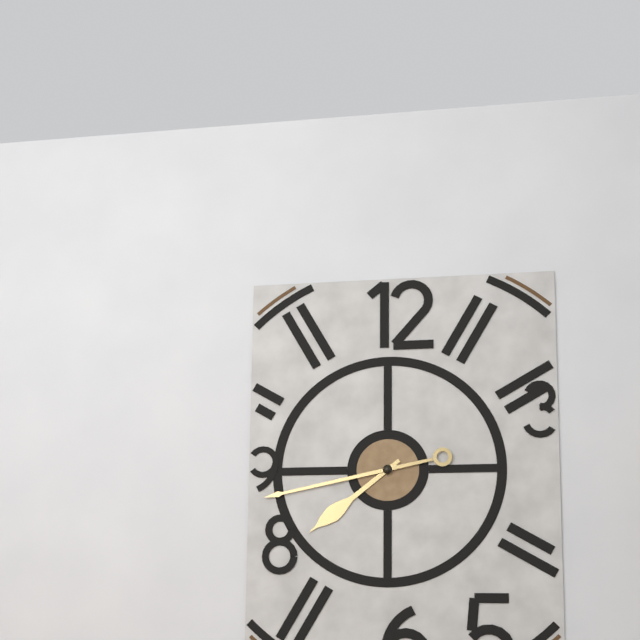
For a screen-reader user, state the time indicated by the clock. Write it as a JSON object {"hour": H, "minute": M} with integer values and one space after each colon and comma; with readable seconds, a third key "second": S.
{"hour": 7, "minute": 43}
